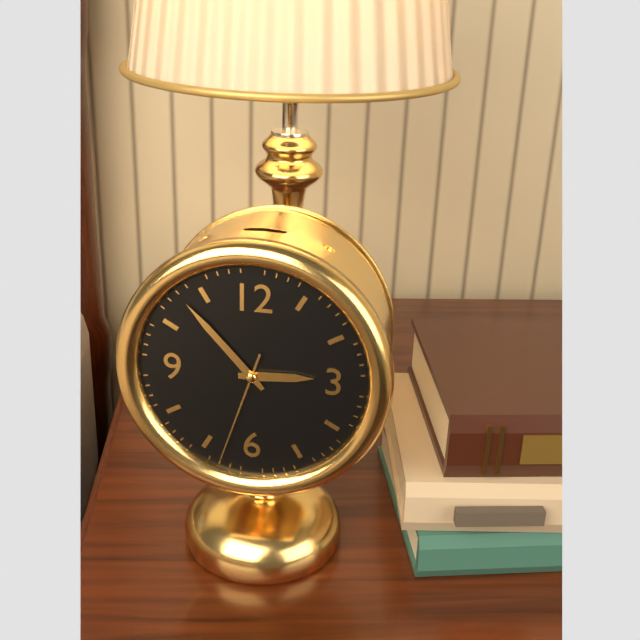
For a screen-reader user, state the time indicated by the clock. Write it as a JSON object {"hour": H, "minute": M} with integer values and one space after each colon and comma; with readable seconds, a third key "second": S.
{"hour": 2, "minute": 53, "second": 33}
